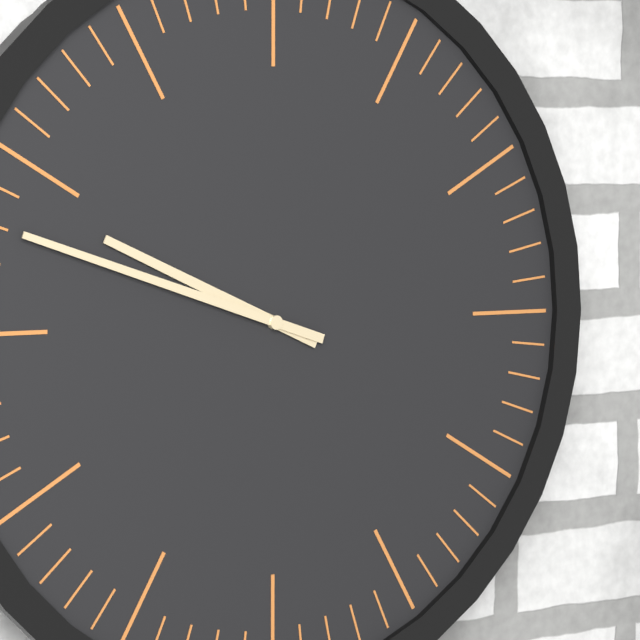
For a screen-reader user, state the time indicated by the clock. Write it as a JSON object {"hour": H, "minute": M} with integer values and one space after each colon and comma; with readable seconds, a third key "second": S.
{"hour": 9, "minute": 48}
